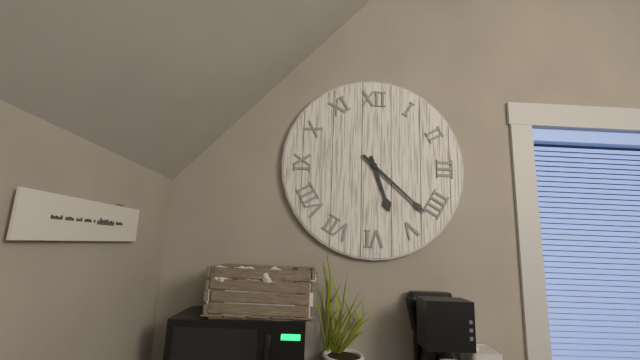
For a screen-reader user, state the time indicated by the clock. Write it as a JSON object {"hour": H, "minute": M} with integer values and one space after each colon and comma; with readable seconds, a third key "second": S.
{"hour": 5, "minute": 22}
